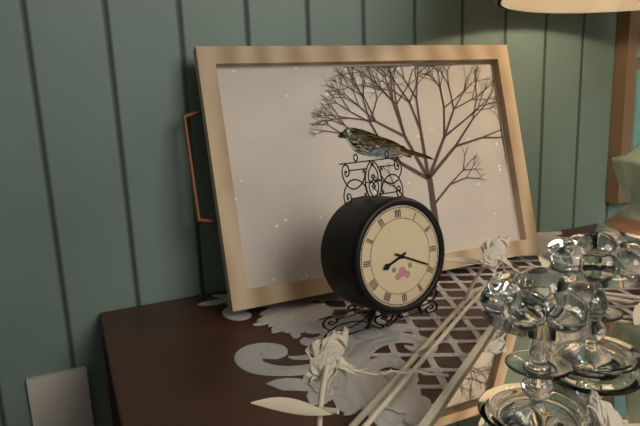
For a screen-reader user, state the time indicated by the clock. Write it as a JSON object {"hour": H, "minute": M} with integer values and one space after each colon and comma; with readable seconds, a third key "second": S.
{"hour": 8, "minute": 19}
